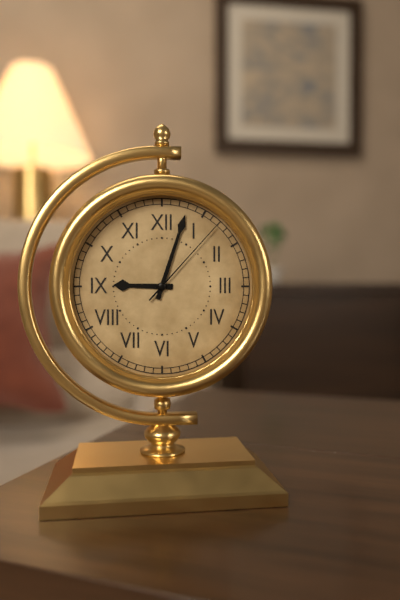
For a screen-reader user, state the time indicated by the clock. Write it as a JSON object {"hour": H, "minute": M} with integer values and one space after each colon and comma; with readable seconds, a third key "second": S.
{"hour": 9, "minute": 3, "second": 7}
